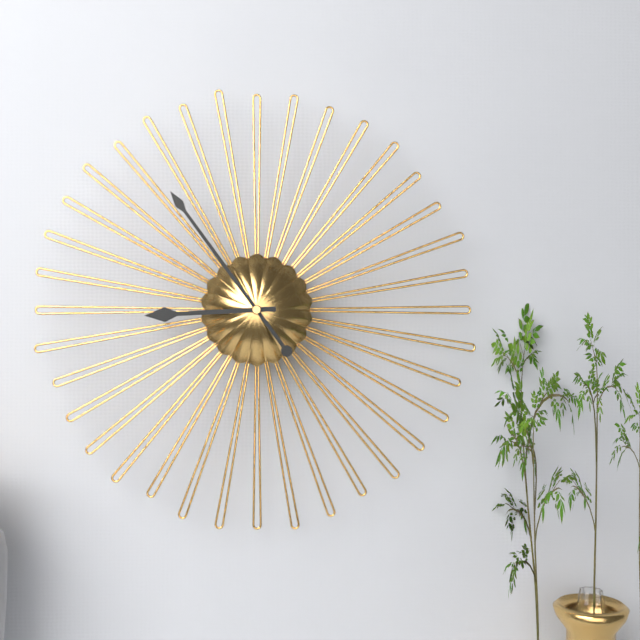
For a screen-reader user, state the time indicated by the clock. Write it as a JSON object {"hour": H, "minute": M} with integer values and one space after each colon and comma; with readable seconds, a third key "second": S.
{"hour": 8, "minute": 54}
